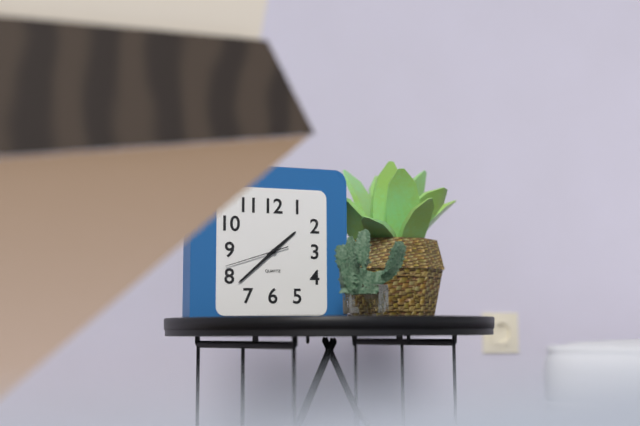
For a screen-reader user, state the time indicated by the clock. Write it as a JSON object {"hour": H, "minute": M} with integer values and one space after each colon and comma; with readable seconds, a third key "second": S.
{"hour": 1, "minute": 38, "second": 42}
